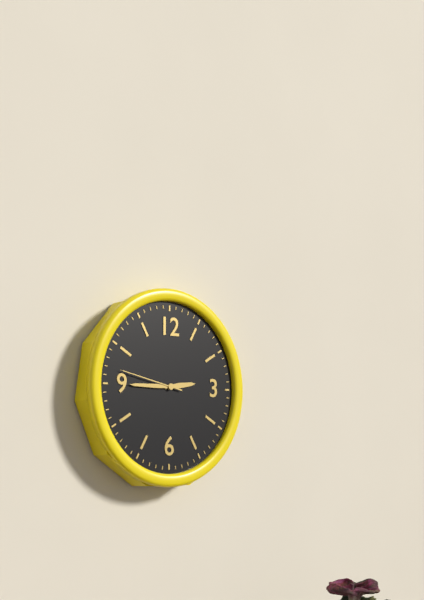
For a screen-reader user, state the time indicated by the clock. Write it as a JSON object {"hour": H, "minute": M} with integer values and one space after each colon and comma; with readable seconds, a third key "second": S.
{"hour": 2, "minute": 45, "second": 47}
